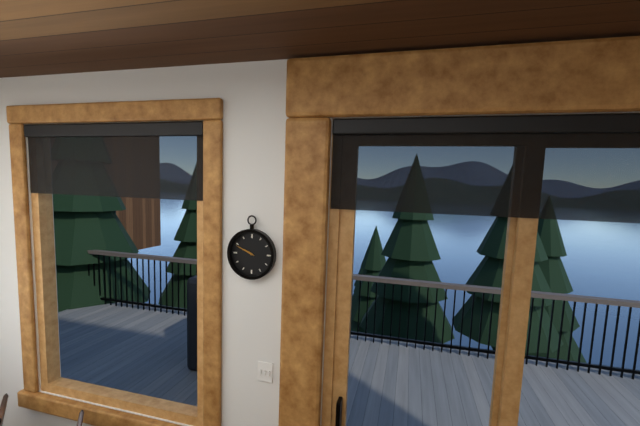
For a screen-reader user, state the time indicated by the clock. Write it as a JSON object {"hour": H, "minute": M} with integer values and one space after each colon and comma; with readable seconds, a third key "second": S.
{"hour": 9, "minute": 49}
